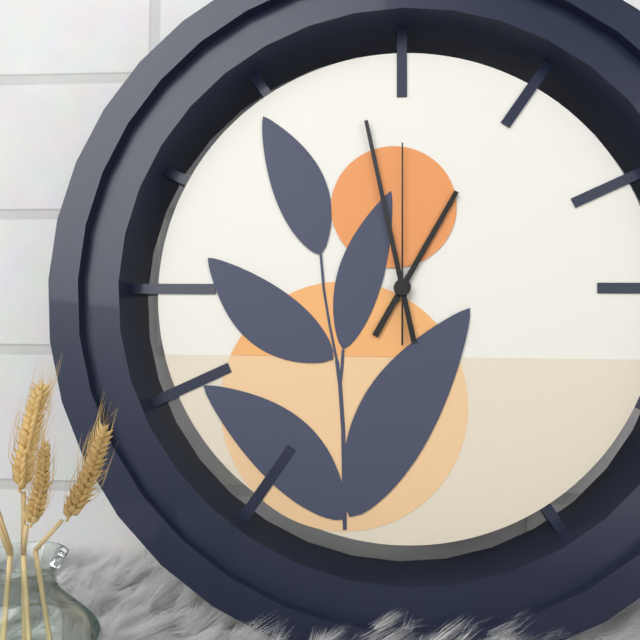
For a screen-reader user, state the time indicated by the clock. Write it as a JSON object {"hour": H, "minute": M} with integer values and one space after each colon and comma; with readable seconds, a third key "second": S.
{"hour": 12, "minute": 58, "second": 0}
